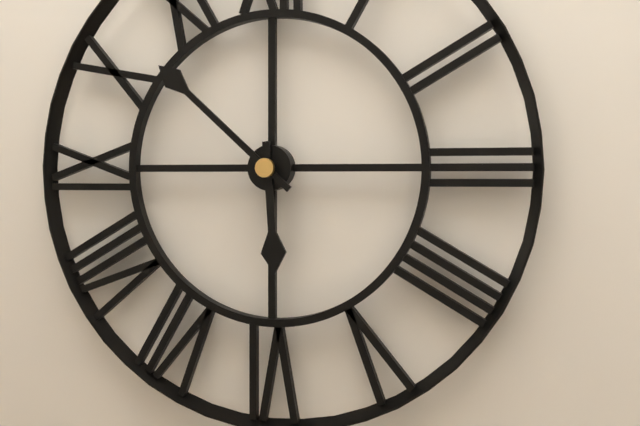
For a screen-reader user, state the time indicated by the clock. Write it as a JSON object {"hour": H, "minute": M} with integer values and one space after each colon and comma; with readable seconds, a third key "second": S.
{"hour": 5, "minute": 52}
